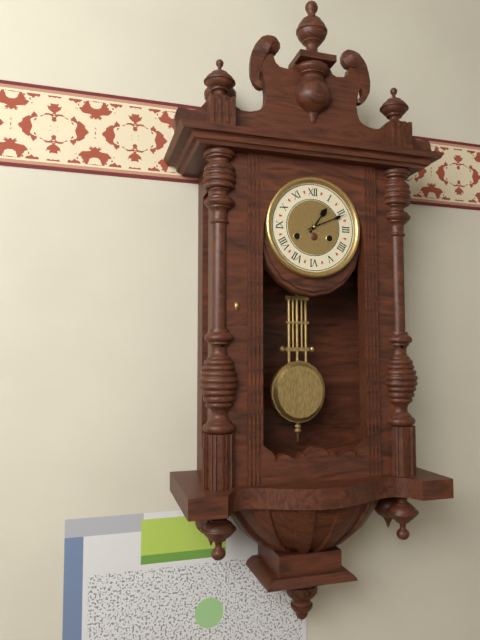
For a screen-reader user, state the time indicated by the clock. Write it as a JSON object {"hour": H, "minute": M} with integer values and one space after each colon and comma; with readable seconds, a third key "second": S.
{"hour": 1, "minute": 11}
